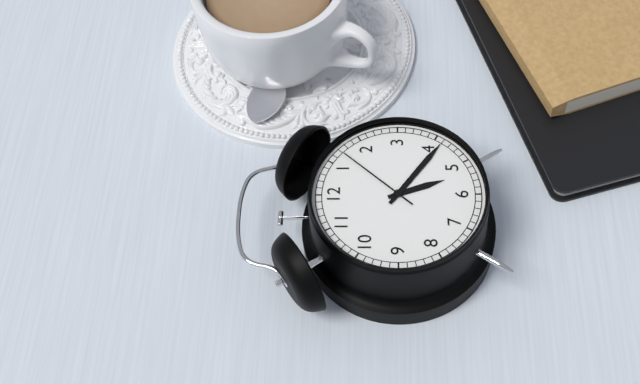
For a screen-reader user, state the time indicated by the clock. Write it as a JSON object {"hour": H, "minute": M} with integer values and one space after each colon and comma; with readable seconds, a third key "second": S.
{"hour": 5, "minute": 21, "second": 7}
